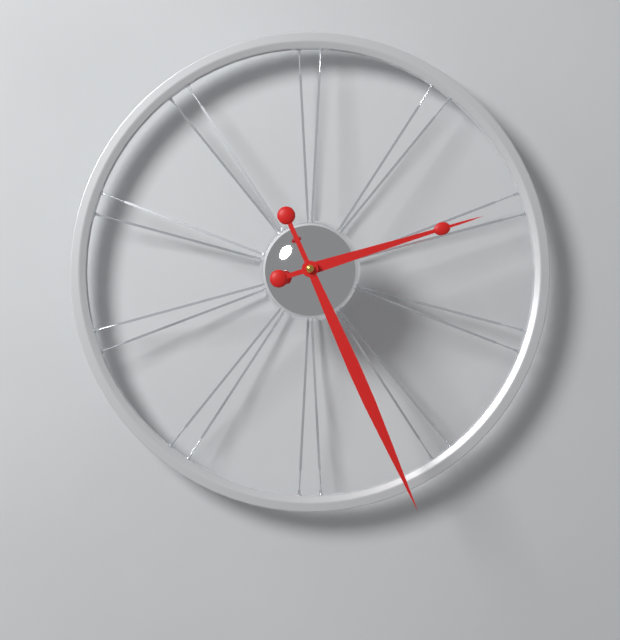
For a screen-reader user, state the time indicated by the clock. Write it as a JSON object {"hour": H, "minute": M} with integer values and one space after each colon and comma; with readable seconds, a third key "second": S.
{"hour": 2, "minute": 26}
